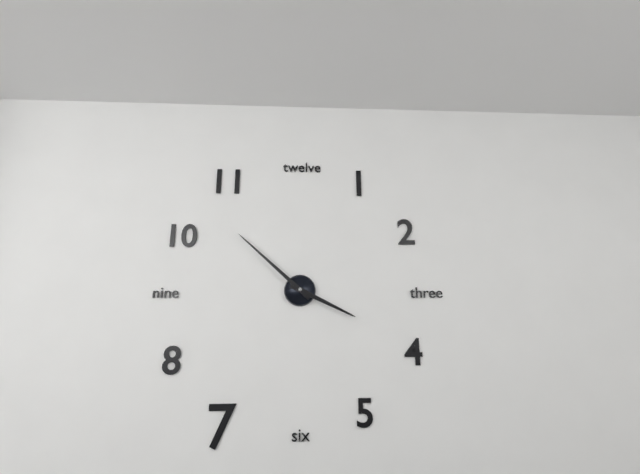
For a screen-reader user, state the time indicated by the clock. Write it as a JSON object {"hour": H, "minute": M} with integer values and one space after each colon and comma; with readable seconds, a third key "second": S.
{"hour": 3, "minute": 52}
